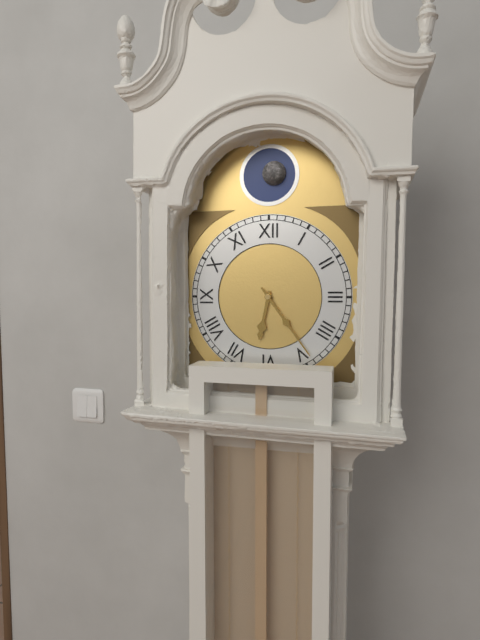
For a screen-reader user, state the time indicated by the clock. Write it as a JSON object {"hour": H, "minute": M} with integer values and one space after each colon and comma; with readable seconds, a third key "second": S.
{"hour": 6, "minute": 24}
